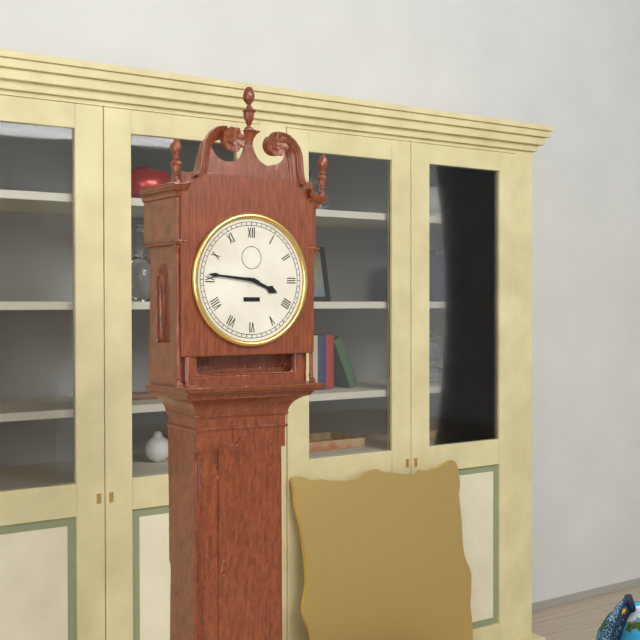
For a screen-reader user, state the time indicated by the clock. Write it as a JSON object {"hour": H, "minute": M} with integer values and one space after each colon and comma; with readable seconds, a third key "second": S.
{"hour": 3, "minute": 46}
